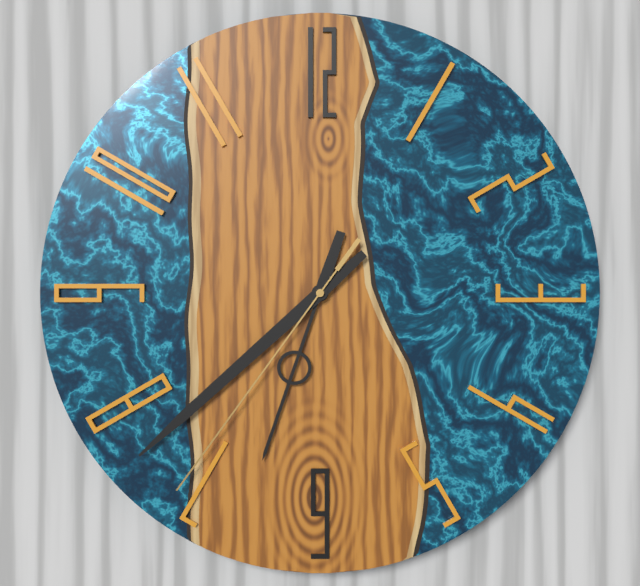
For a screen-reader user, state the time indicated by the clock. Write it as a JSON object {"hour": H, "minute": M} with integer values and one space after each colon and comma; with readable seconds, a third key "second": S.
{"hour": 6, "minute": 38, "second": 36}
